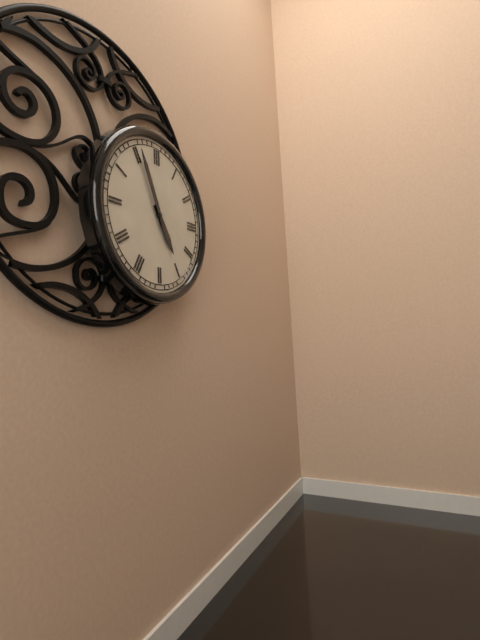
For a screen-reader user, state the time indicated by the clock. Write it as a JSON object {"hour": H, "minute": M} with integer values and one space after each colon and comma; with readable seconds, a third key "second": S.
{"hour": 4, "minute": 56}
